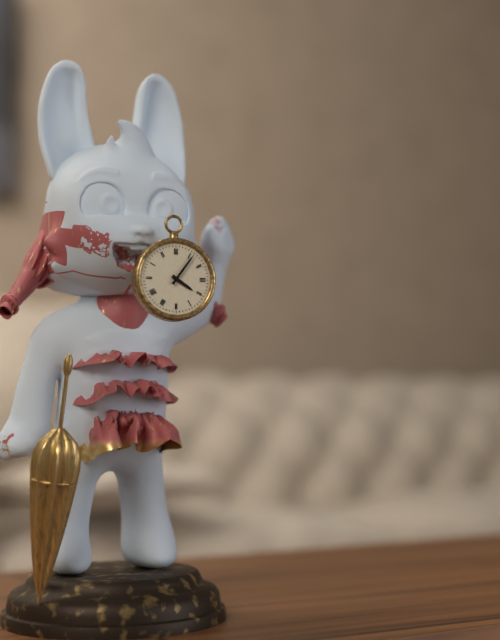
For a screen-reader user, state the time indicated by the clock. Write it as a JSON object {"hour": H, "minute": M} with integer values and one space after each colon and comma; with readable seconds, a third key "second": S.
{"hour": 4, "minute": 6}
